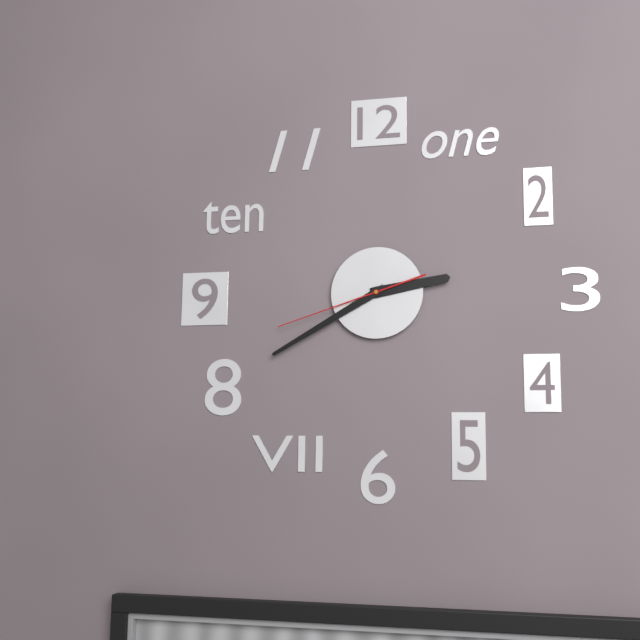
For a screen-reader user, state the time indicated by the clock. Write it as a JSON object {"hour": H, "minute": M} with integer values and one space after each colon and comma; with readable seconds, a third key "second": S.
{"hour": 2, "minute": 40, "second": 42}
